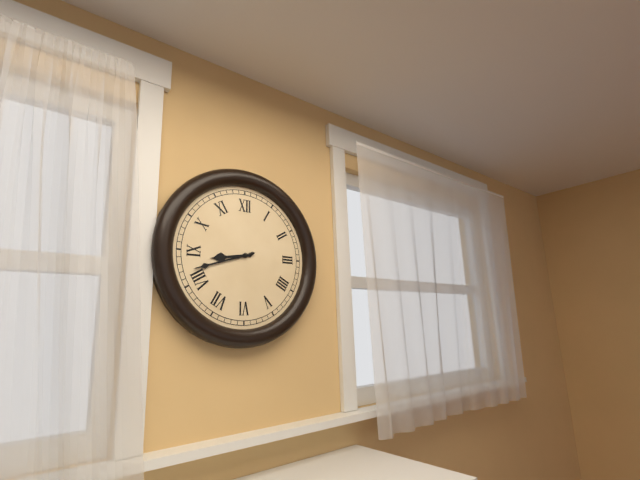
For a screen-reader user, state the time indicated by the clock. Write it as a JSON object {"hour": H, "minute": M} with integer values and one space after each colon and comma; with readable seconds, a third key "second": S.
{"hour": 8, "minute": 42}
